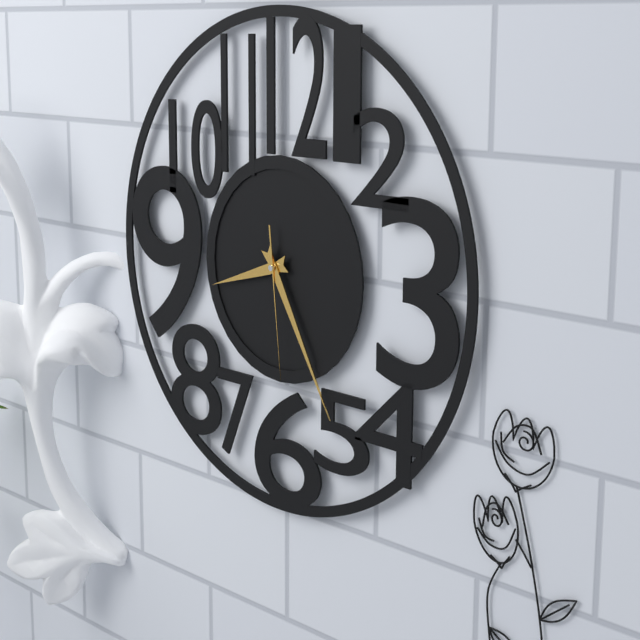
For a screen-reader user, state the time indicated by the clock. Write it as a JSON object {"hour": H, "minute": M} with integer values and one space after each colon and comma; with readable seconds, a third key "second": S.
{"hour": 8, "minute": 25, "second": 29}
